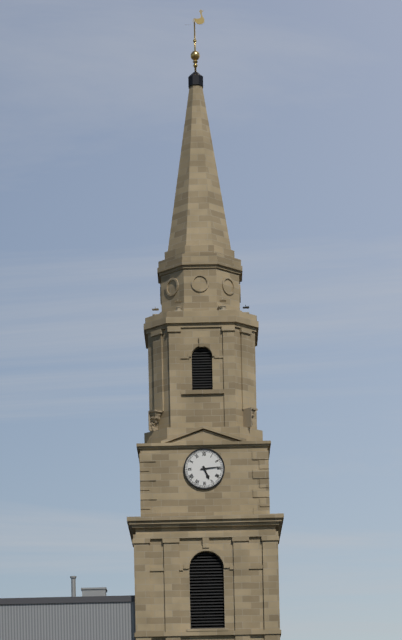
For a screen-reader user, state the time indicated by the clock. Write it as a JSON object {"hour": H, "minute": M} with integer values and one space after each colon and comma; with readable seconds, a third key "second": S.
{"hour": 5, "minute": 14}
